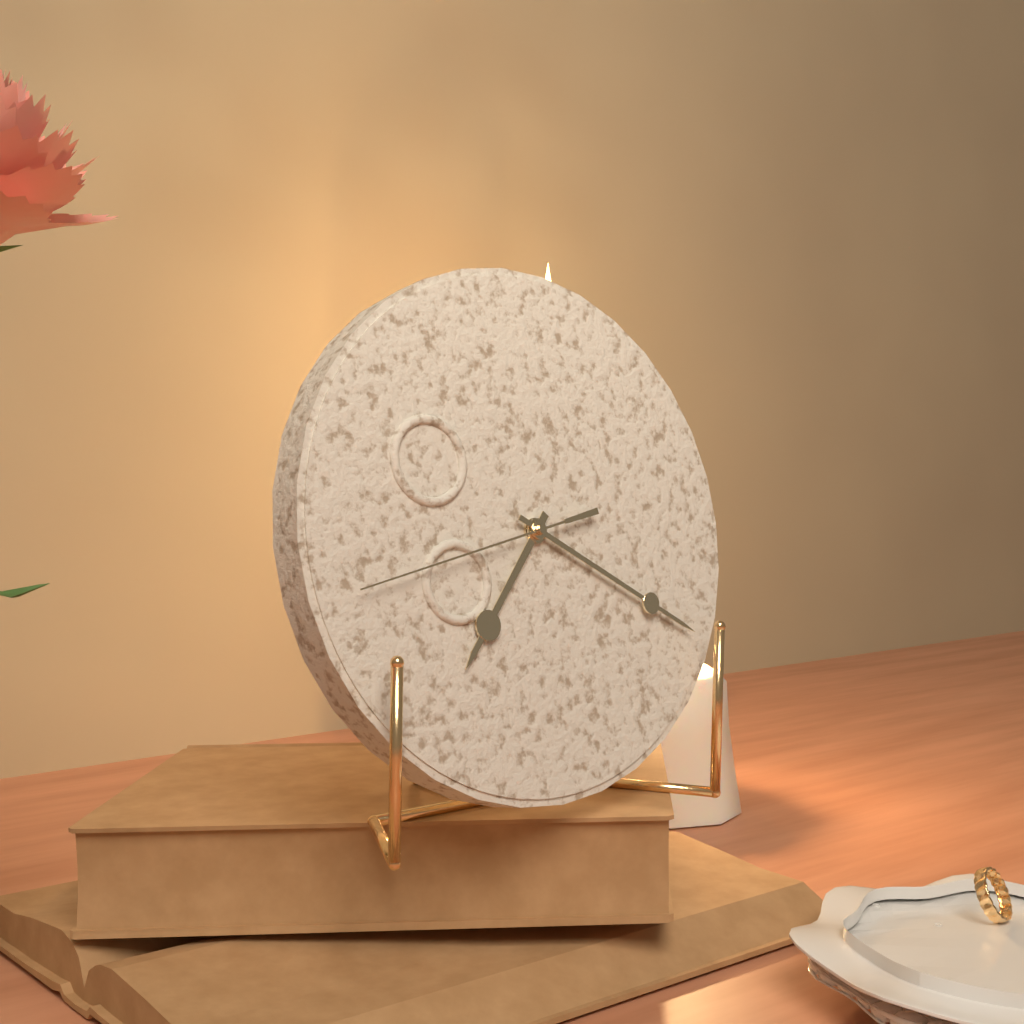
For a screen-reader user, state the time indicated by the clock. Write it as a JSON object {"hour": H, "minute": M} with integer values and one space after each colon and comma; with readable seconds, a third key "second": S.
{"hour": 7, "minute": 20, "second": 43}
